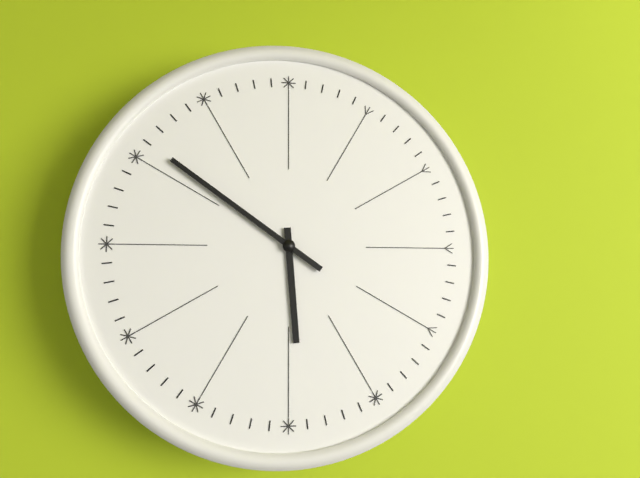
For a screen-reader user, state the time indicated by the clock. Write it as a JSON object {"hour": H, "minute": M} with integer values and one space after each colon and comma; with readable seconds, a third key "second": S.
{"hour": 5, "minute": 51}
